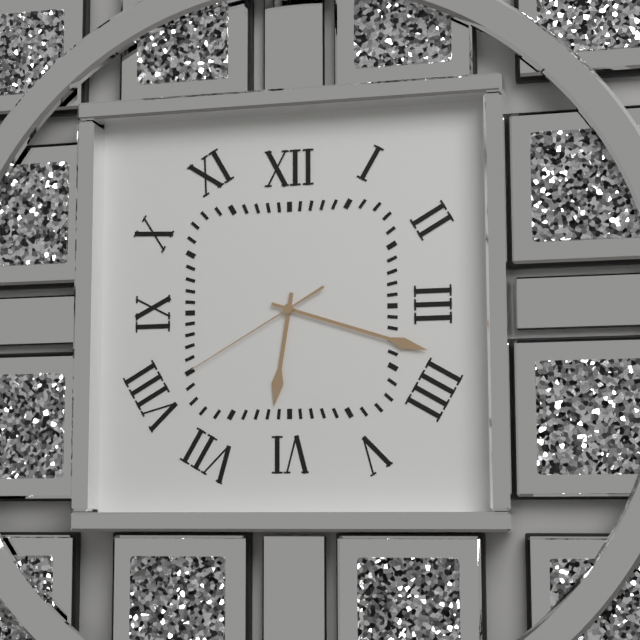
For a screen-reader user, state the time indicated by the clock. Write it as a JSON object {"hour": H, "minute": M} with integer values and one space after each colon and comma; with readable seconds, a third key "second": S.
{"hour": 6, "minute": 18, "second": 40}
